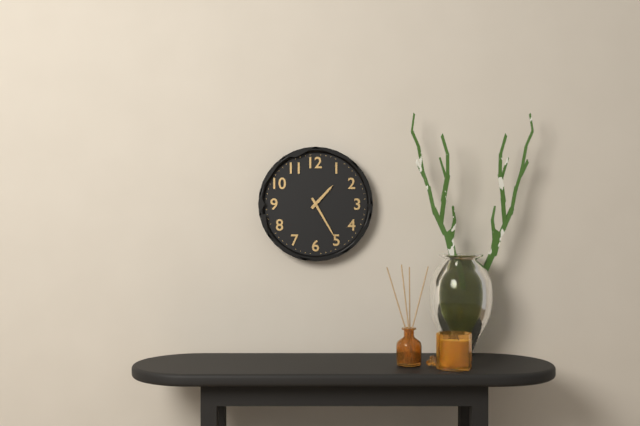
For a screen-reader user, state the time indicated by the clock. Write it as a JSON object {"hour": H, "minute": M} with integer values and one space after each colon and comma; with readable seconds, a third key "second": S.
{"hour": 1, "minute": 25}
